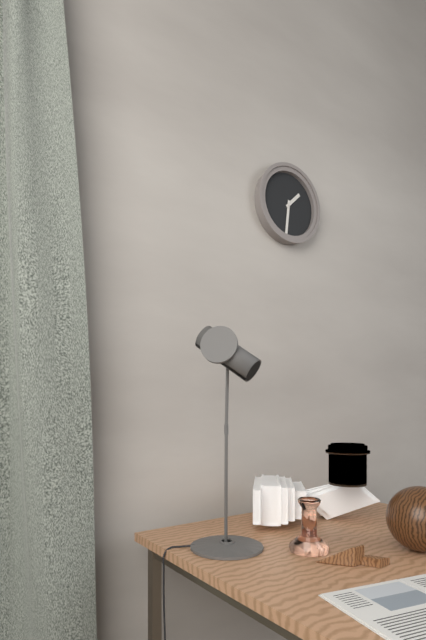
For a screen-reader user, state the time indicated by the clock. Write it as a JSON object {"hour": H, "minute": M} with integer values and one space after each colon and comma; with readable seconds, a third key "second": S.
{"hour": 1, "minute": 31}
